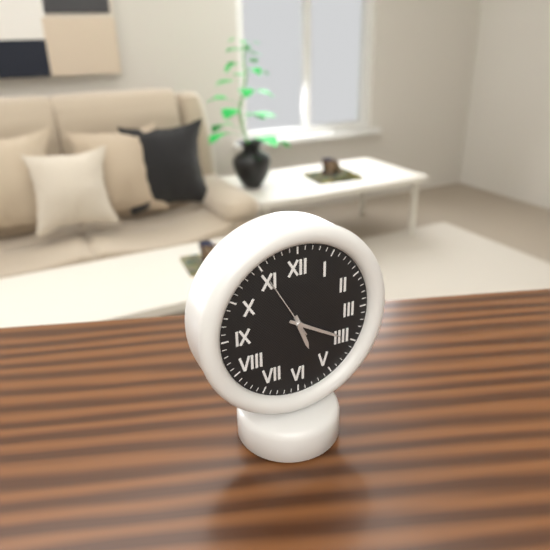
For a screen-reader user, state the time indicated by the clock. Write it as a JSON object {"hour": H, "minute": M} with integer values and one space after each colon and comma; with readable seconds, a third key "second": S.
{"hour": 5, "minute": 20, "second": 55}
